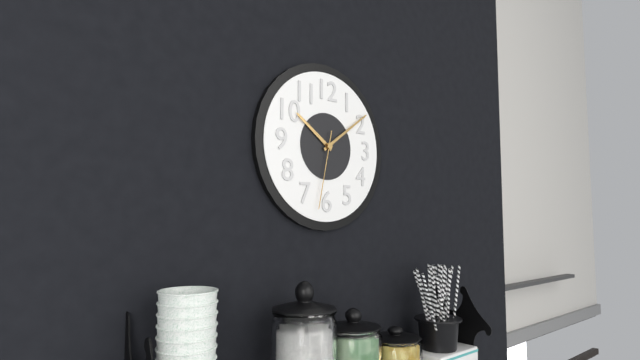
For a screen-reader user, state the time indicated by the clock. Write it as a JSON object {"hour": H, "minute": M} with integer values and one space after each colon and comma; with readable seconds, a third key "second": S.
{"hour": 10, "minute": 9, "second": 32}
